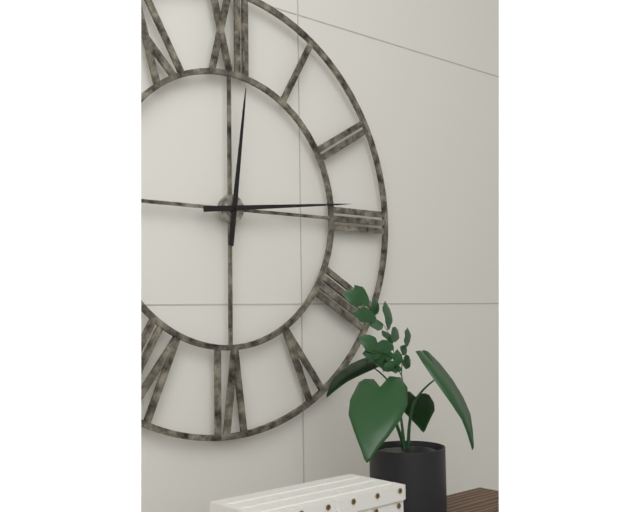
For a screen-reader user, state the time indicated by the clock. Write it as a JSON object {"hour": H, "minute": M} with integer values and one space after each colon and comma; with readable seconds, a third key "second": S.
{"hour": 12, "minute": 14}
